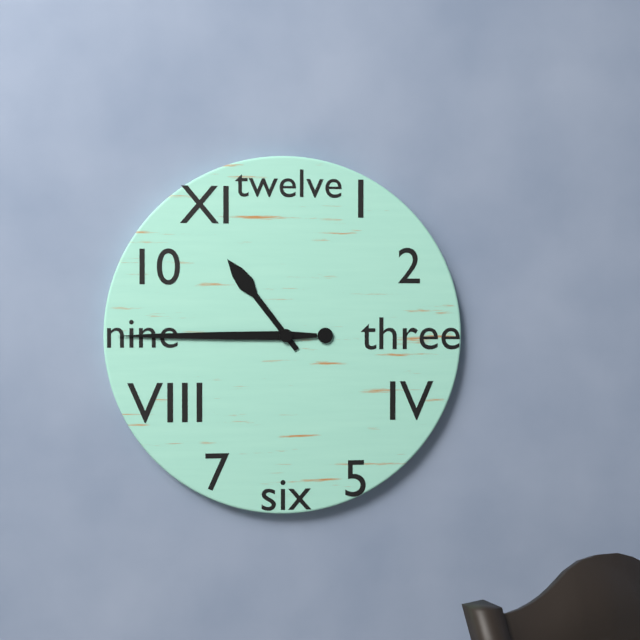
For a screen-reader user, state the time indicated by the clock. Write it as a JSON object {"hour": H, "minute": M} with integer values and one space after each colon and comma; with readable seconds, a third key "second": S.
{"hour": 10, "minute": 45}
